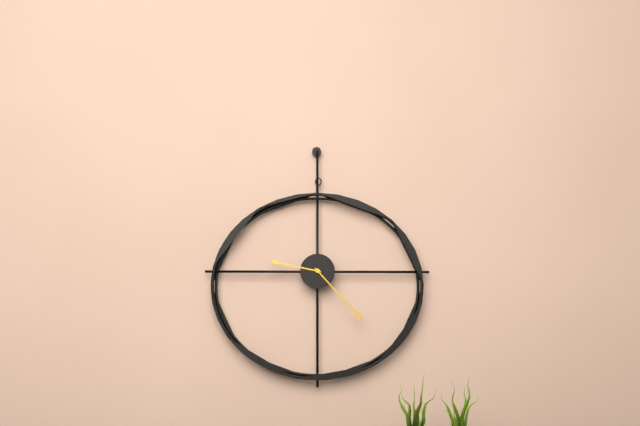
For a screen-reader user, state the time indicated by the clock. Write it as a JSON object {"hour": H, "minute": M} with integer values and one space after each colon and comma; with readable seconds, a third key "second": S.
{"hour": 9, "minute": 23}
